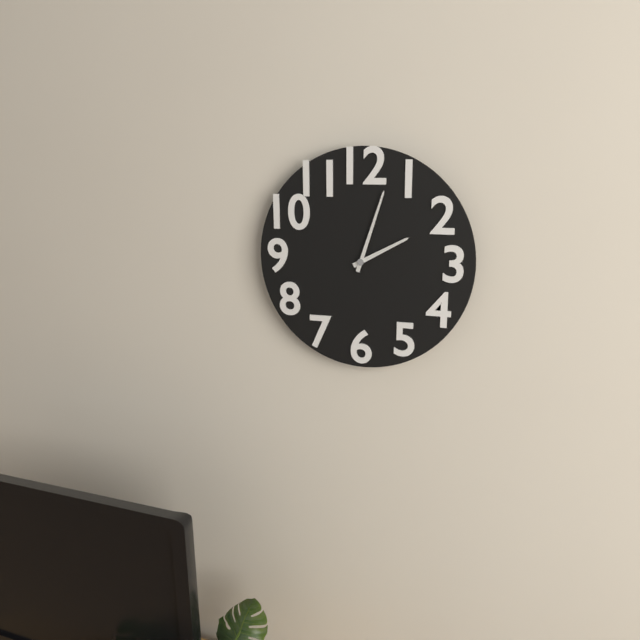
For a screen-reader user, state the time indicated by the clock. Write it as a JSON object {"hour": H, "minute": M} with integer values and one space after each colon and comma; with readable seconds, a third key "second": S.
{"hour": 2, "minute": 3}
